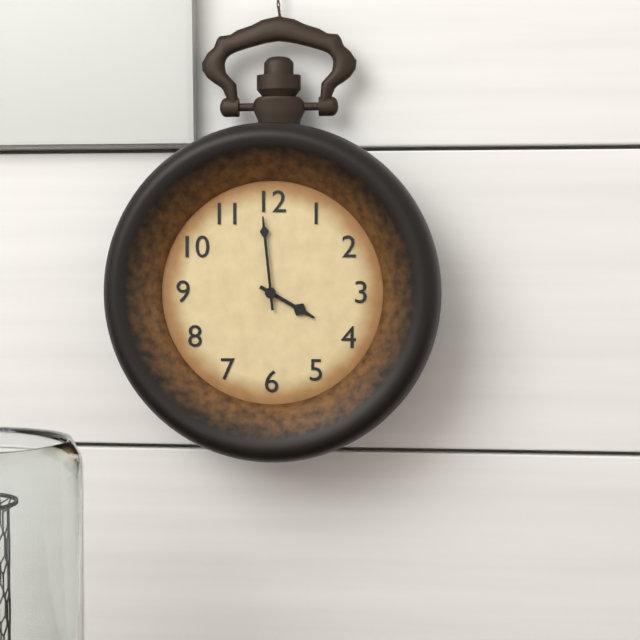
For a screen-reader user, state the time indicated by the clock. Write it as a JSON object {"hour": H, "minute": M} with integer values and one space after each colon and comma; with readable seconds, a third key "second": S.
{"hour": 3, "minute": 59}
